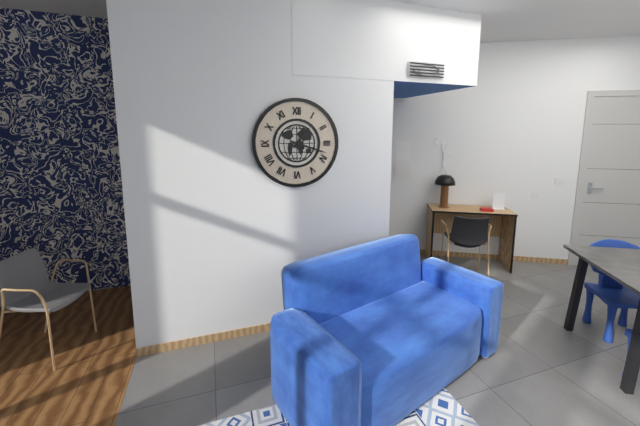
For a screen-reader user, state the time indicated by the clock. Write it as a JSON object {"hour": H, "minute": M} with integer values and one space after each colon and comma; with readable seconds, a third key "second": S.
{"hour": 1, "minute": 18}
